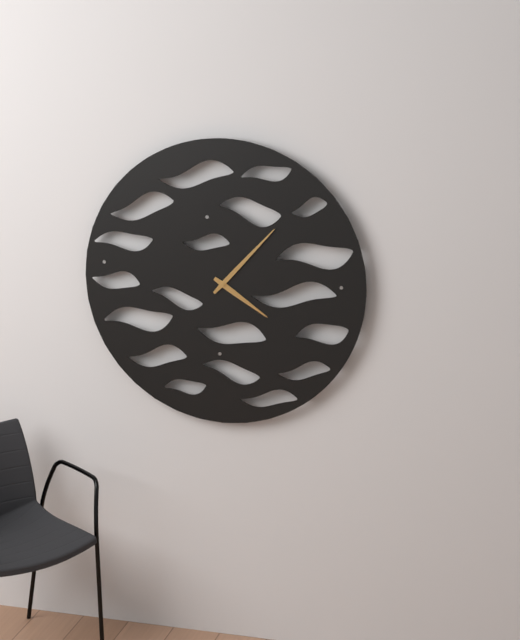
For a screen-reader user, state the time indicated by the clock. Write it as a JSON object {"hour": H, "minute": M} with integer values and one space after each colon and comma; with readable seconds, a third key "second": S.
{"hour": 4, "minute": 7}
